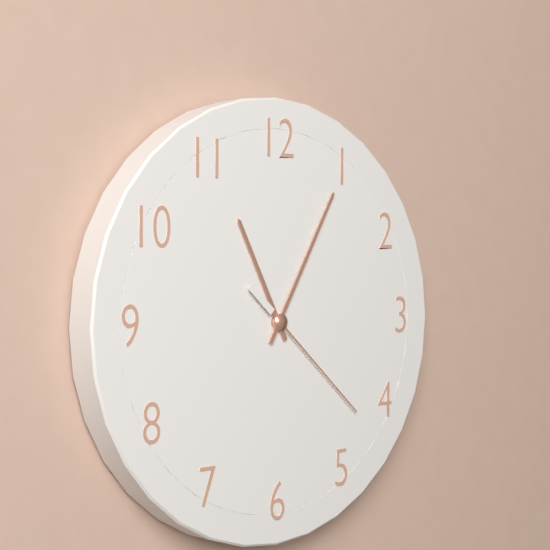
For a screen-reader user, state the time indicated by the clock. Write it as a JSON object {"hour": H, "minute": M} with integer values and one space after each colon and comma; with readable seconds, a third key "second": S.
{"hour": 11, "minute": 5, "second": 22}
